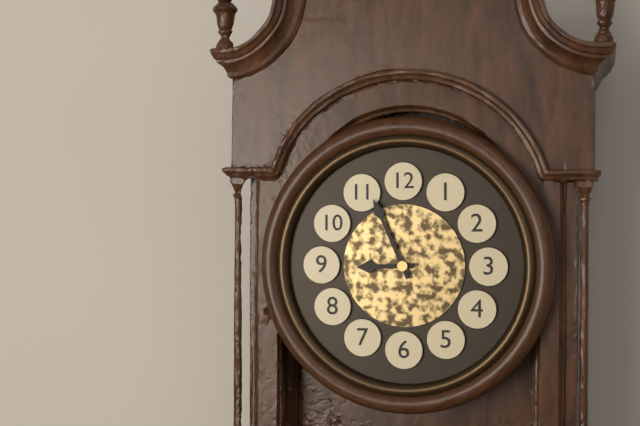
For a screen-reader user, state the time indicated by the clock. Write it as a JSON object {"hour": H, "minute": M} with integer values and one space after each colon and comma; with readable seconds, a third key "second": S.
{"hour": 8, "minute": 56}
